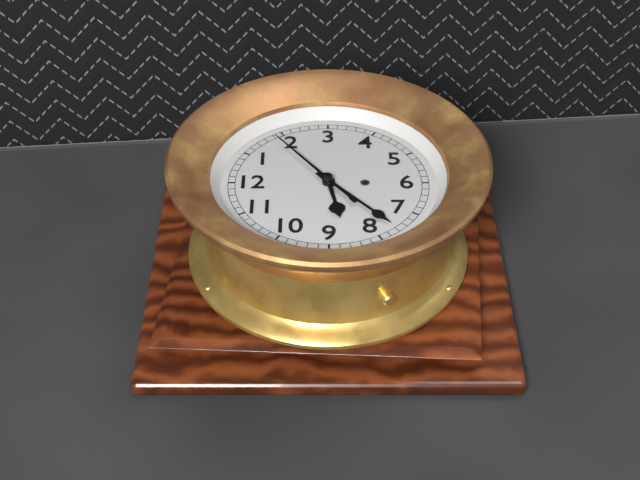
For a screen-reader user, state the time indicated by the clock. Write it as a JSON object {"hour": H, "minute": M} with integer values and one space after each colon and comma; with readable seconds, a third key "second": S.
{"hour": 8, "minute": 38, "second": 9}
